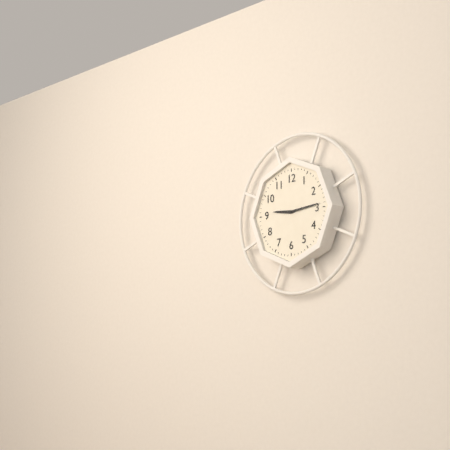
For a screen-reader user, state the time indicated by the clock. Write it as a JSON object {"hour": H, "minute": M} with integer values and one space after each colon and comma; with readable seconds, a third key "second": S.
{"hour": 9, "minute": 14}
